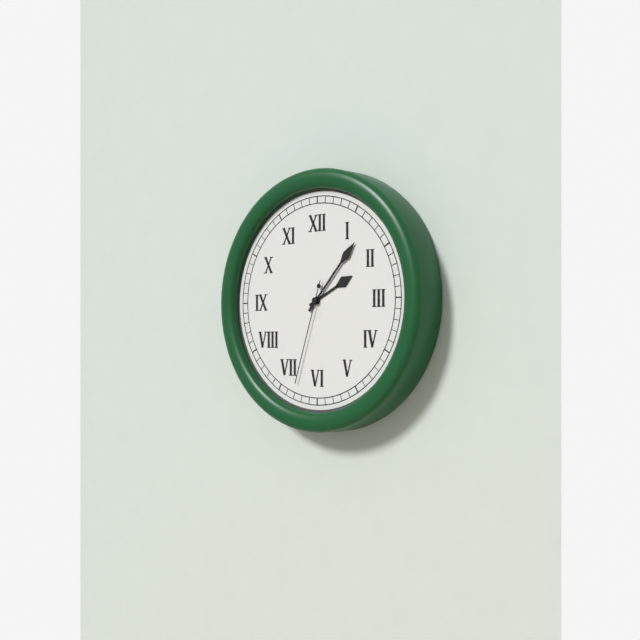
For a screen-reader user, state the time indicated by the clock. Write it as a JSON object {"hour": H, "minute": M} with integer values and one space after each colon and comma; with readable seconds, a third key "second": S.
{"hour": 2, "minute": 7, "second": 33}
